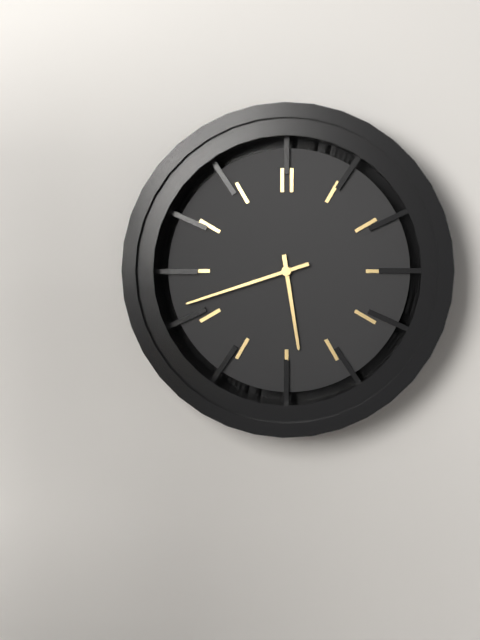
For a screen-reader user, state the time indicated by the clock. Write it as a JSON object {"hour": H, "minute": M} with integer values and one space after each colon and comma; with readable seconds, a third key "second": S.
{"hour": 5, "minute": 42}
